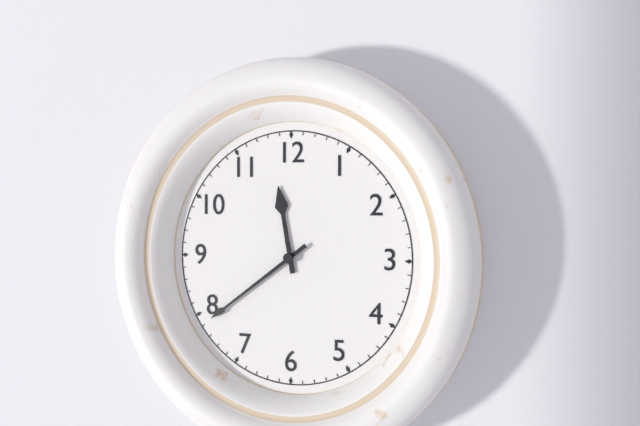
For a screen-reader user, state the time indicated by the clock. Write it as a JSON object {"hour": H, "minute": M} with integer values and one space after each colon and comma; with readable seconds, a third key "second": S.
{"hour": 11, "minute": 39}
